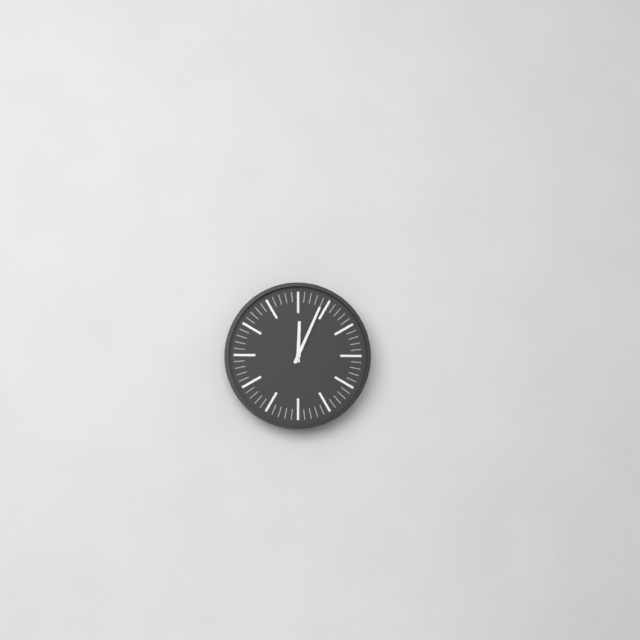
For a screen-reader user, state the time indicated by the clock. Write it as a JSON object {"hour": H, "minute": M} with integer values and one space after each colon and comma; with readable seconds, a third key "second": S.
{"hour": 12, "minute": 4}
